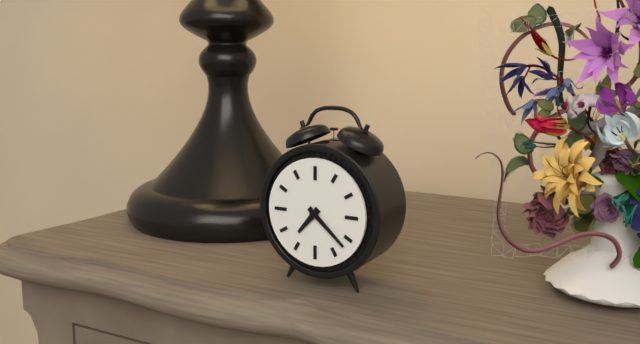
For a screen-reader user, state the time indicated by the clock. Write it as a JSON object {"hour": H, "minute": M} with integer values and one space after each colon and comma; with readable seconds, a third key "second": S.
{"hour": 7, "minute": 22}
